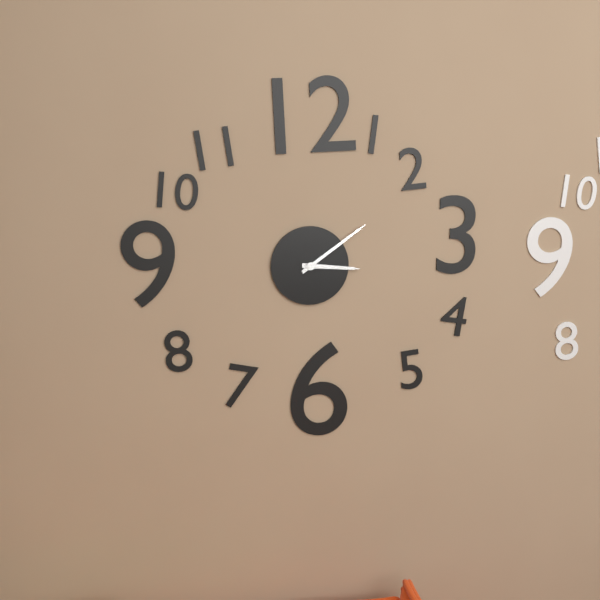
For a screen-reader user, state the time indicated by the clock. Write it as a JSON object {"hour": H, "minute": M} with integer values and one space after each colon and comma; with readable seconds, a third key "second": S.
{"hour": 3, "minute": 9}
